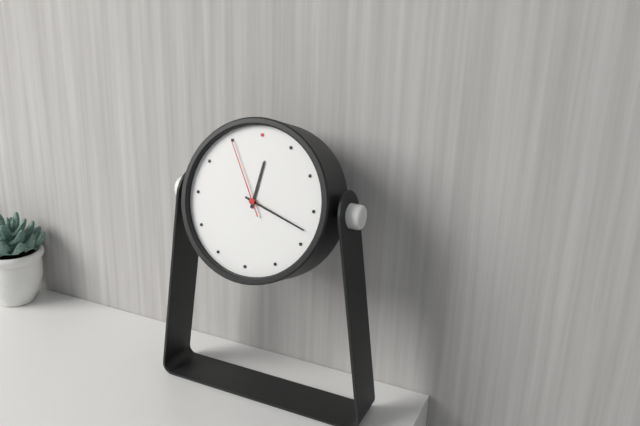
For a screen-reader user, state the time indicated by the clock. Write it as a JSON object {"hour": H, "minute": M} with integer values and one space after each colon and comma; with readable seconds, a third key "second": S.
{"hour": 12, "minute": 18, "second": 55}
